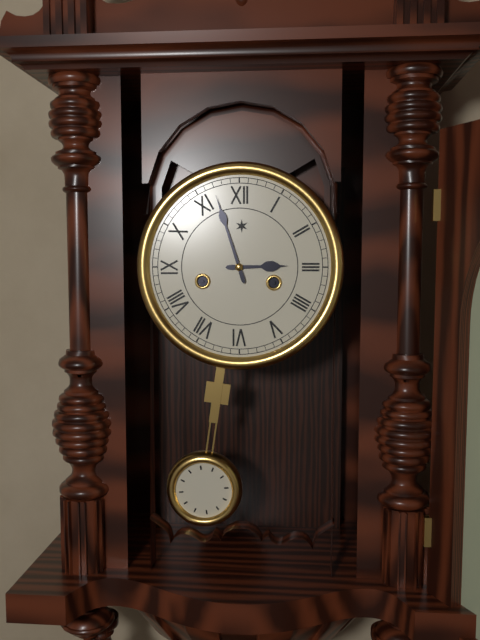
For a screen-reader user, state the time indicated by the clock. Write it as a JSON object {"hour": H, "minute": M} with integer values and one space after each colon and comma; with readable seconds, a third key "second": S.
{"hour": 2, "minute": 57}
